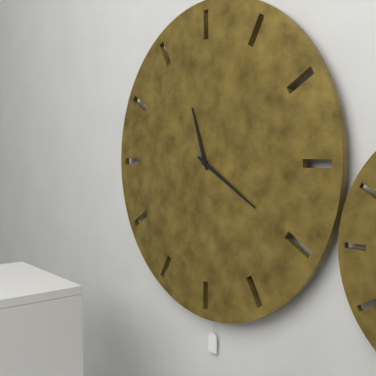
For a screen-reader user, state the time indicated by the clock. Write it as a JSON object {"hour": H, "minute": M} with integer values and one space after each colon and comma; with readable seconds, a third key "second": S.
{"hour": 11, "minute": 20}
